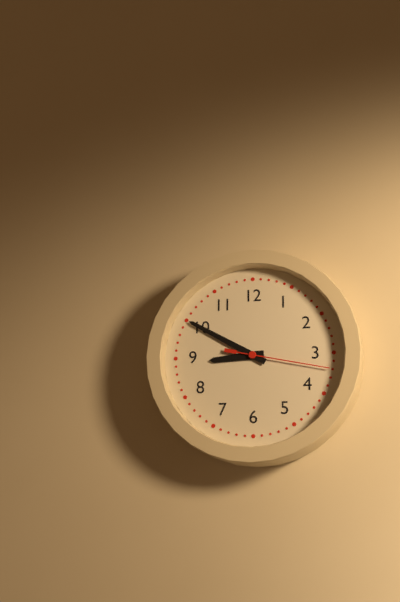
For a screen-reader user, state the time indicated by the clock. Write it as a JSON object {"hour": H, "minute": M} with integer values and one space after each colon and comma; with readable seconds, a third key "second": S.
{"hour": 8, "minute": 50, "second": 17}
